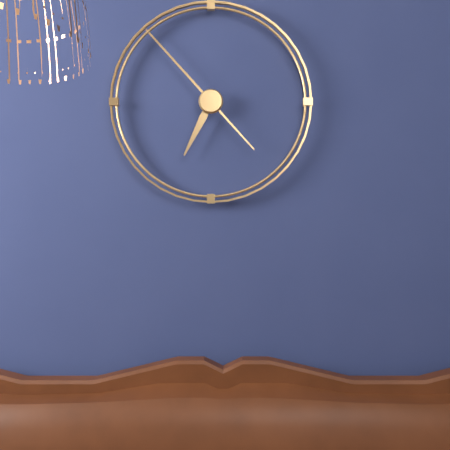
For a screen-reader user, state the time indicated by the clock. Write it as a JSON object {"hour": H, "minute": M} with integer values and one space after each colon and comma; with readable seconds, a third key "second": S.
{"hour": 6, "minute": 53}
